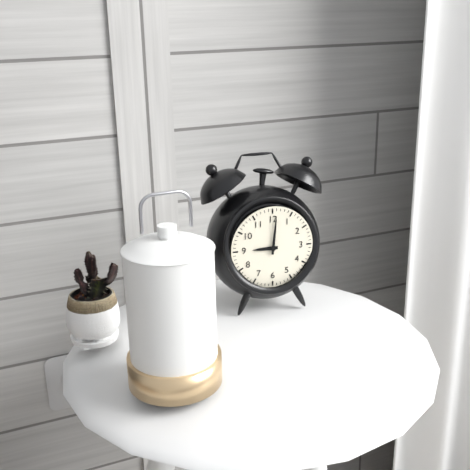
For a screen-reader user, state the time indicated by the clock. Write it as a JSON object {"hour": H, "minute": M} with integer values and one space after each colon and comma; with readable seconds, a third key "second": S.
{"hour": 9, "minute": 1}
